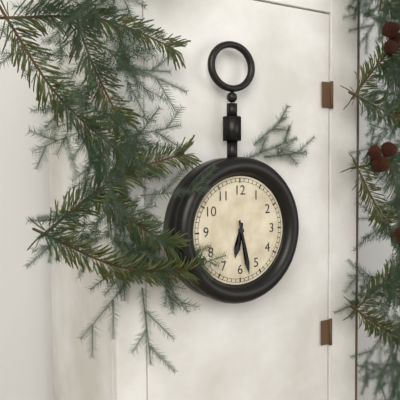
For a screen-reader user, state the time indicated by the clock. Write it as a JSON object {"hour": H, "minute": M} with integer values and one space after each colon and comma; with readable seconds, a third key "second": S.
{"hour": 6, "minute": 28}
